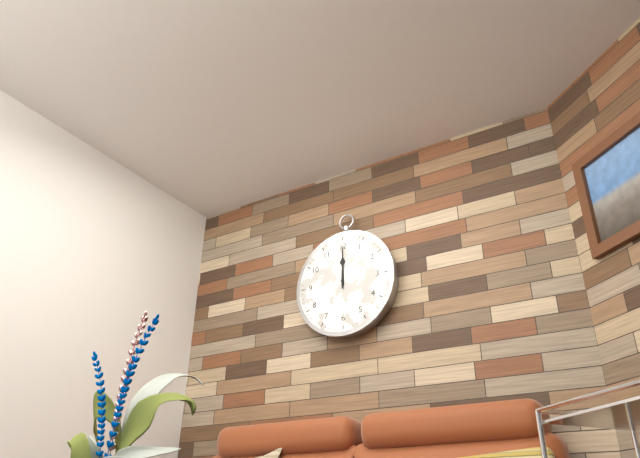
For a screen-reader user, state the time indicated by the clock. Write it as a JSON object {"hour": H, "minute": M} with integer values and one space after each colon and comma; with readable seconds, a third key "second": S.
{"hour": 12, "minute": 0}
